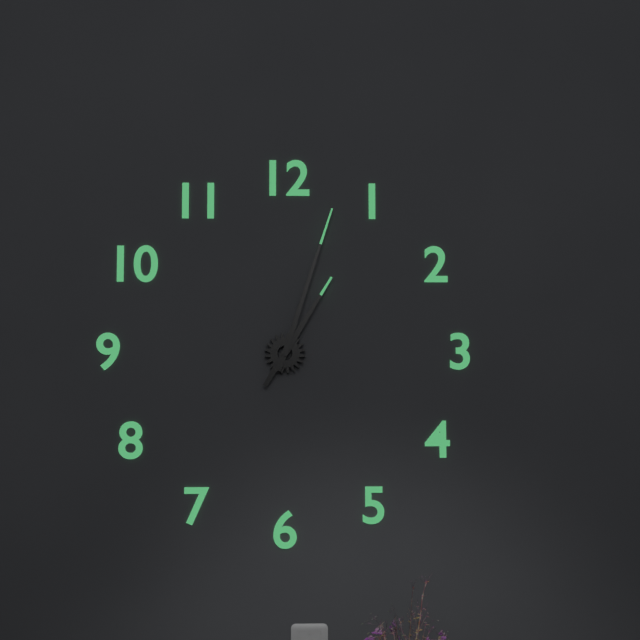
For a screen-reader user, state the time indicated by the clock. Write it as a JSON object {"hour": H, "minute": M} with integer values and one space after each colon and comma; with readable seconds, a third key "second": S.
{"hour": 1, "minute": 3}
